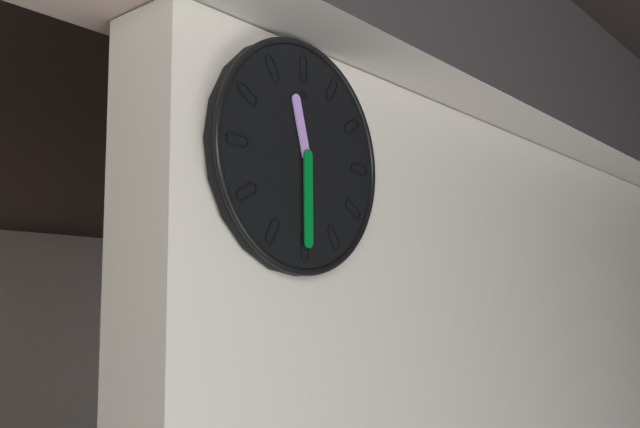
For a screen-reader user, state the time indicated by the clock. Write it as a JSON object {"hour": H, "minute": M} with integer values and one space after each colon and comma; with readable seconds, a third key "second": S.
{"hour": 11, "minute": 30}
